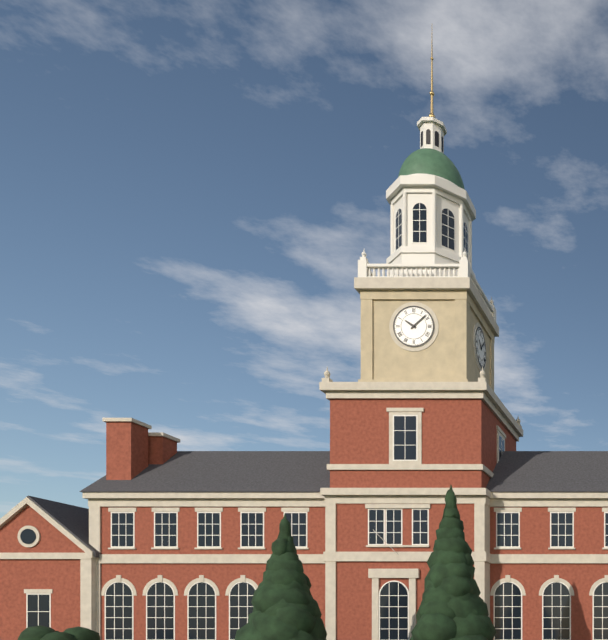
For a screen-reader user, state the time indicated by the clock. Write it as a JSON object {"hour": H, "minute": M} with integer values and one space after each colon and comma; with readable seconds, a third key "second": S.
{"hour": 10, "minute": 8}
